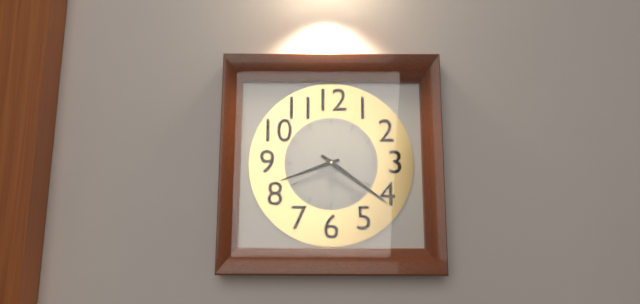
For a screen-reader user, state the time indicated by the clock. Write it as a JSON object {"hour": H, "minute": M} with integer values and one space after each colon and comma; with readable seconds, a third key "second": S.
{"hour": 8, "minute": 21}
